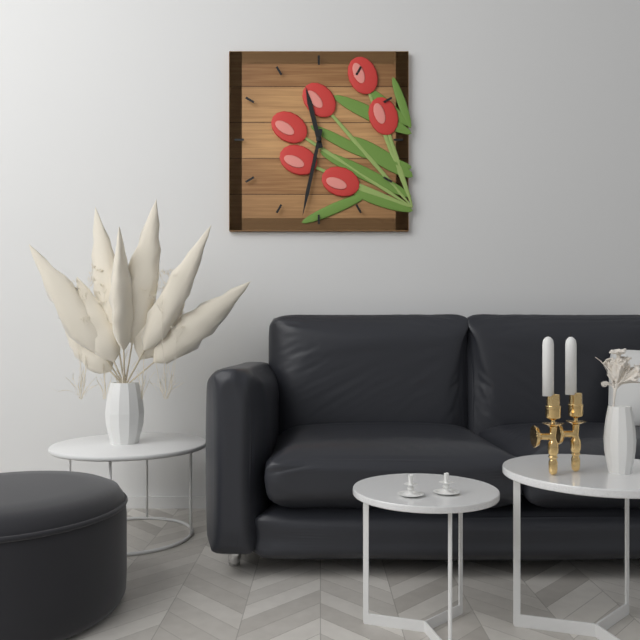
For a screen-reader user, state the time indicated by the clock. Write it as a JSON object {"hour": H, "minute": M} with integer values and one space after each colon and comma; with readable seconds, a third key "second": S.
{"hour": 11, "minute": 32}
